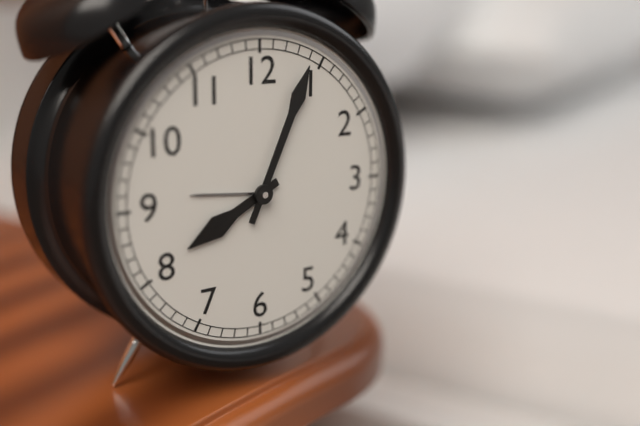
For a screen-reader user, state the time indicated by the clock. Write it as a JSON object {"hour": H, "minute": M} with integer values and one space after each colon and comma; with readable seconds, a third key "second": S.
{"hour": 8, "minute": 4}
